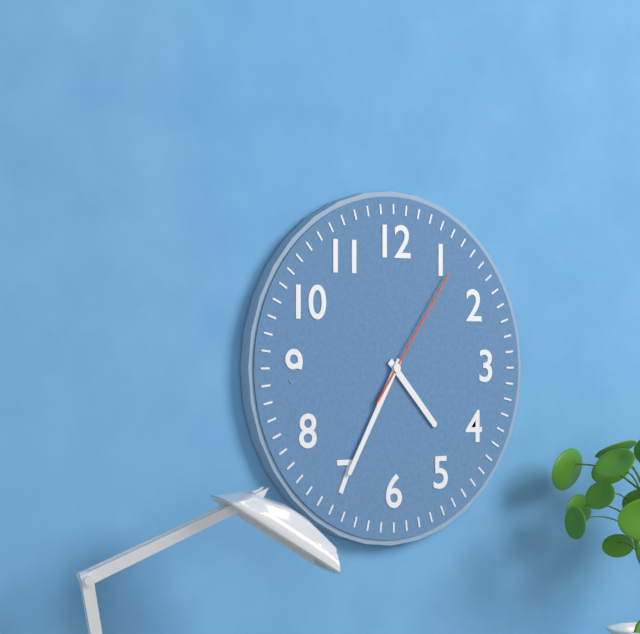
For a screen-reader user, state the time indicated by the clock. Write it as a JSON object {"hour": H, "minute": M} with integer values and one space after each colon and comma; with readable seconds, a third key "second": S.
{"hour": 4, "minute": 35, "second": 6}
